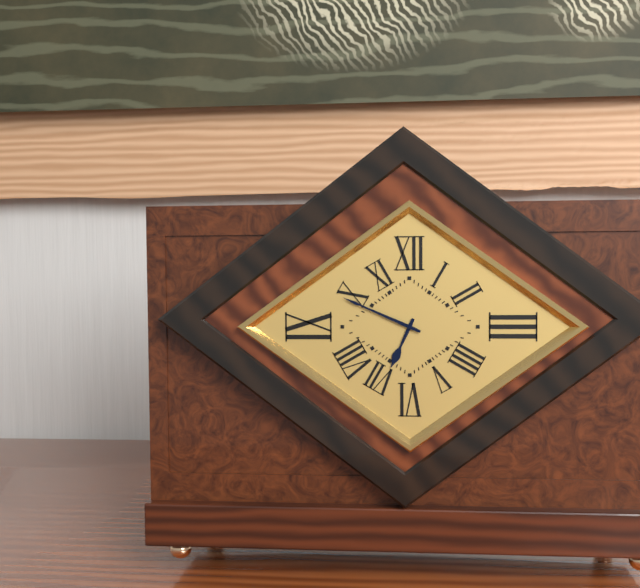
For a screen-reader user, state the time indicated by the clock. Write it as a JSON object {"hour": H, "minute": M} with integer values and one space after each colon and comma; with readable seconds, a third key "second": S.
{"hour": 6, "minute": 49}
